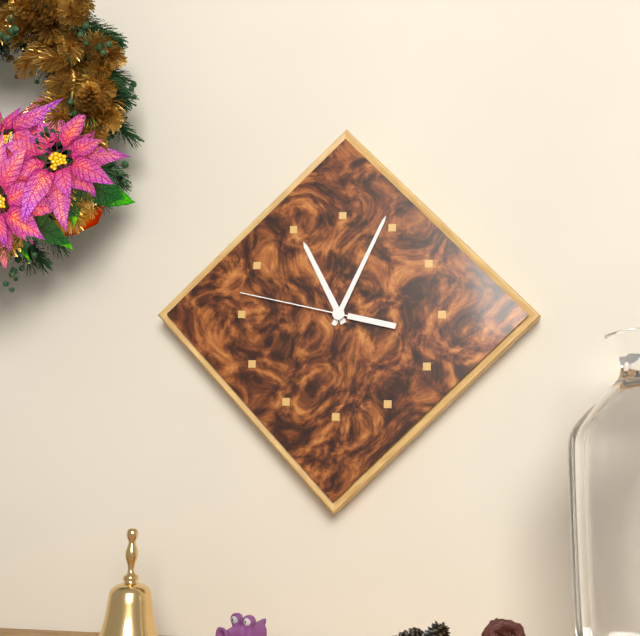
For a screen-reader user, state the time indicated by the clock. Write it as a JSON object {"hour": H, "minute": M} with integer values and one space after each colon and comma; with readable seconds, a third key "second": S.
{"hour": 11, "minute": 4, "second": 47}
